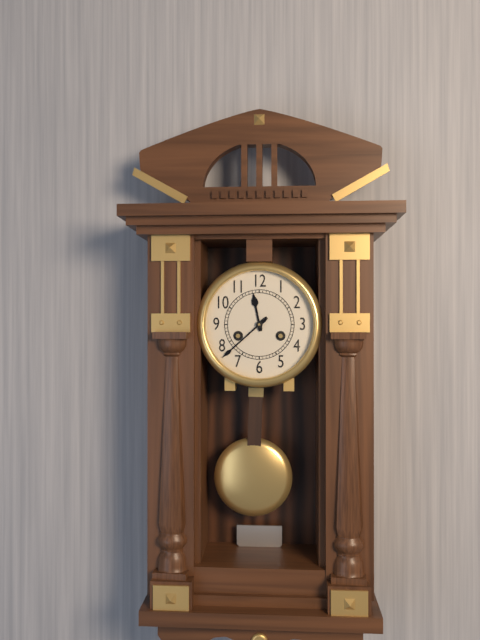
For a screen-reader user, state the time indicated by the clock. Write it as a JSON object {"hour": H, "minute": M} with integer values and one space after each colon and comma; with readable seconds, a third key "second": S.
{"hour": 11, "minute": 38}
